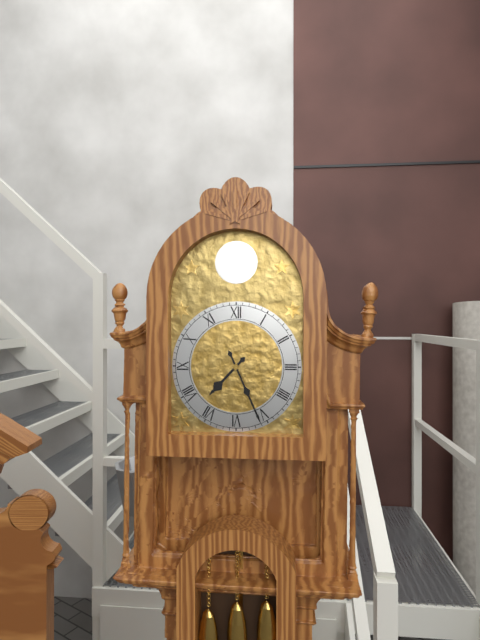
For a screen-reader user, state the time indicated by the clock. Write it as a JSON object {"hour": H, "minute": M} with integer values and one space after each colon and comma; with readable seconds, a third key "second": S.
{"hour": 7, "minute": 26}
